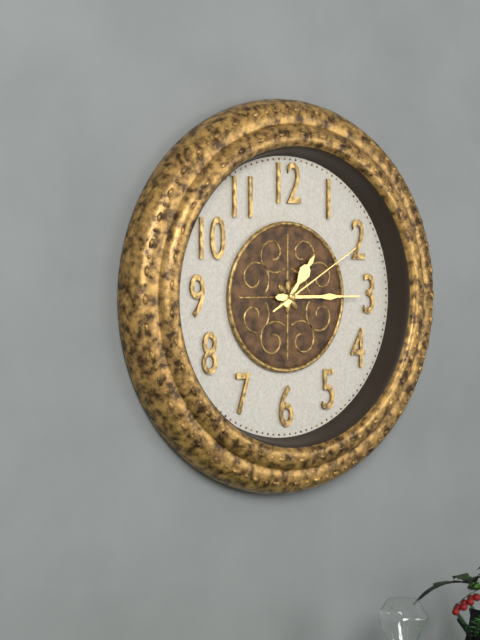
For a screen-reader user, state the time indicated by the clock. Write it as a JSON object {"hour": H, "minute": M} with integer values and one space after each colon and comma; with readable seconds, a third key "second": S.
{"hour": 1, "minute": 15, "second": 10}
